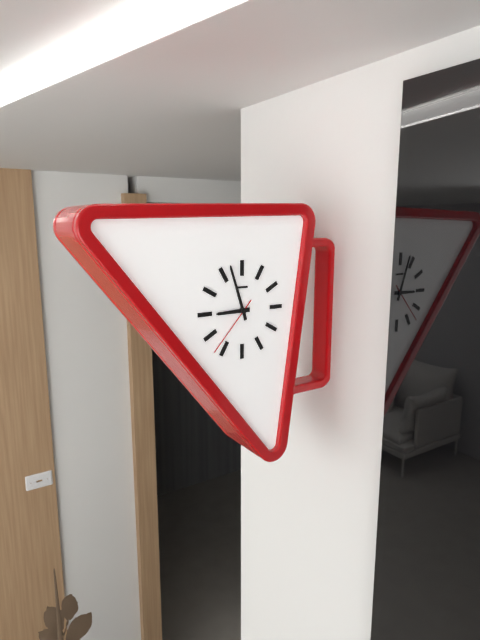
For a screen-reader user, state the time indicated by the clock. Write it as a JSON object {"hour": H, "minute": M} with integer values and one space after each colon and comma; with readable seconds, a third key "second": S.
{"hour": 8, "minute": 57, "second": 37}
